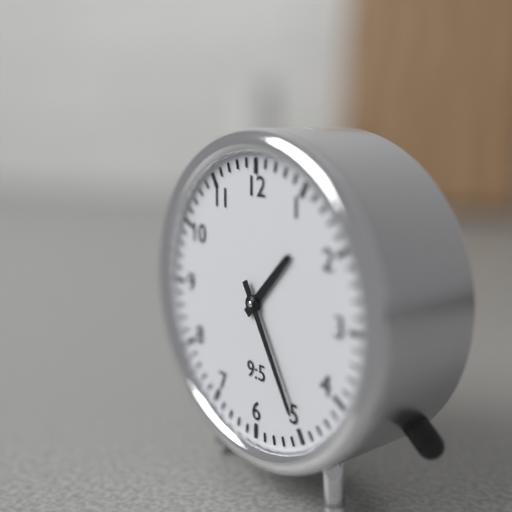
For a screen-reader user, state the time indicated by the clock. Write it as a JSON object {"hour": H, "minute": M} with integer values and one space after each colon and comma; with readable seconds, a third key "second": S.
{"hour": 1, "minute": 25}
